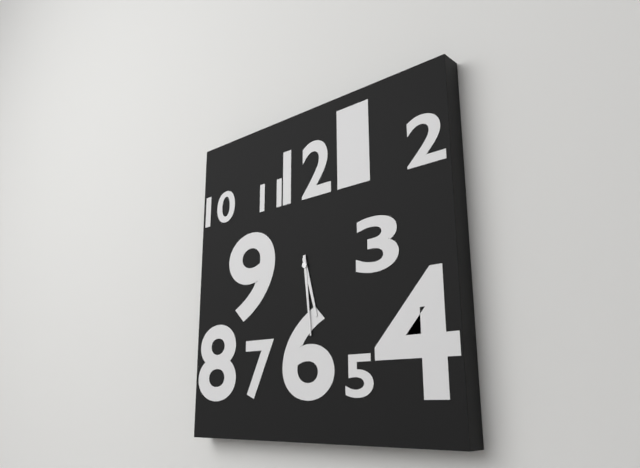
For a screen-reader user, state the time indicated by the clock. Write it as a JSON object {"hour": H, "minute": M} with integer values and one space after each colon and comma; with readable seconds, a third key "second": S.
{"hour": 5, "minute": 29}
